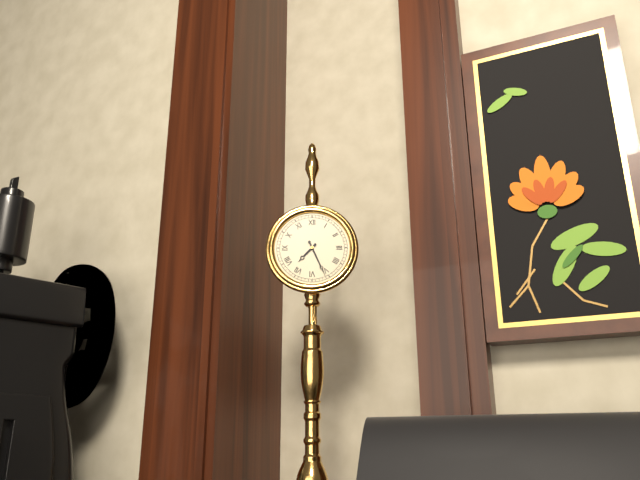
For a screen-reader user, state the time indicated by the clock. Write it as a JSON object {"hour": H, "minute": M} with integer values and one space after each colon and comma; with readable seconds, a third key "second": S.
{"hour": 7, "minute": 26}
